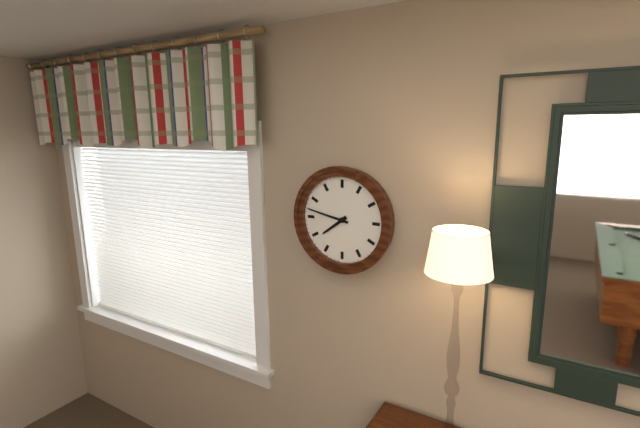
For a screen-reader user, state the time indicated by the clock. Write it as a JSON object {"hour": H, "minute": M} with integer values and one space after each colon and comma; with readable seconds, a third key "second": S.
{"hour": 7, "minute": 47}
